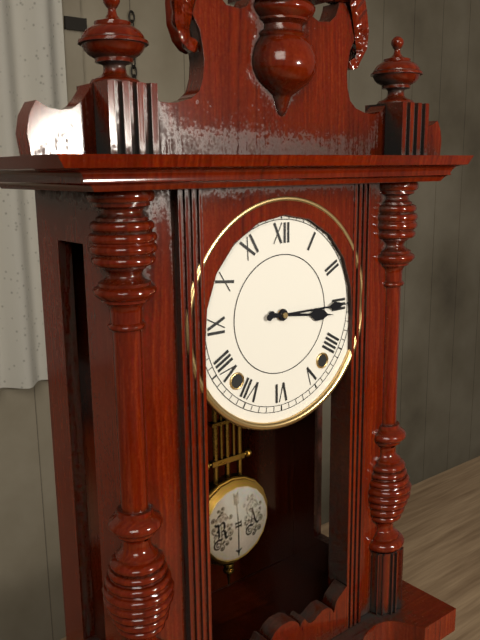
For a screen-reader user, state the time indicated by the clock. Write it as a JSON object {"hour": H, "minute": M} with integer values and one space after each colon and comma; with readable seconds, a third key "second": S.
{"hour": 3, "minute": 15}
